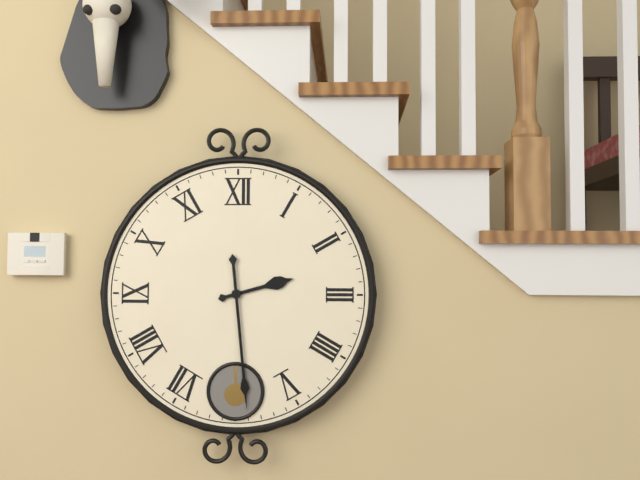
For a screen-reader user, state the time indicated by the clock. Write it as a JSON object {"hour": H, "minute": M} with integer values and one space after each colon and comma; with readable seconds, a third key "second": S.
{"hour": 2, "minute": 29}
